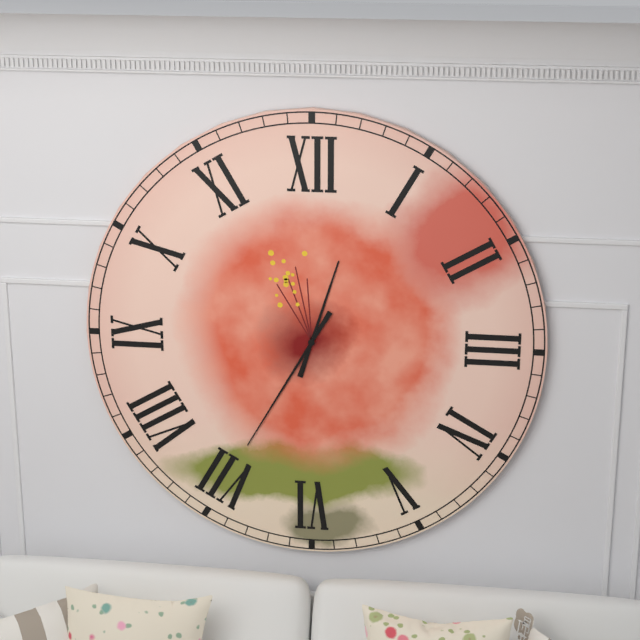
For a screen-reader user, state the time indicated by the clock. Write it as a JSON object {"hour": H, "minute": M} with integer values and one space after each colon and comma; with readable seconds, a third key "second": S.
{"hour": 12, "minute": 35}
